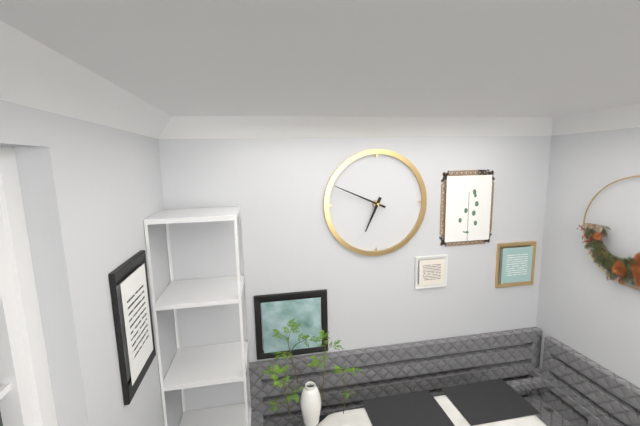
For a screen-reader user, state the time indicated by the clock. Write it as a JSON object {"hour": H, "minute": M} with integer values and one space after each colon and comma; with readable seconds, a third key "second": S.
{"hour": 6, "minute": 49}
